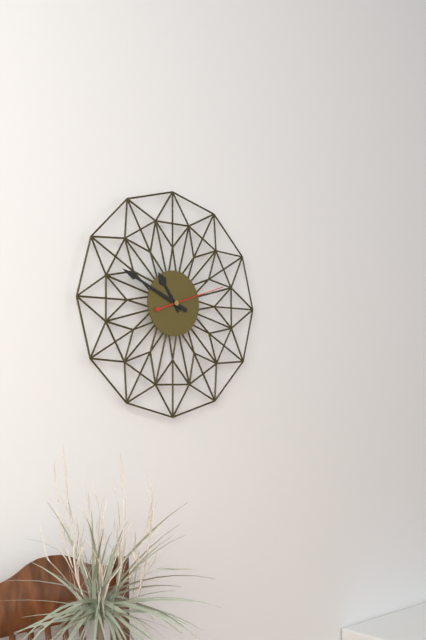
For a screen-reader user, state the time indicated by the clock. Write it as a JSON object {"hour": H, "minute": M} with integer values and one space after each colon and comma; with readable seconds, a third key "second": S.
{"hour": 10, "minute": 49, "second": 12}
